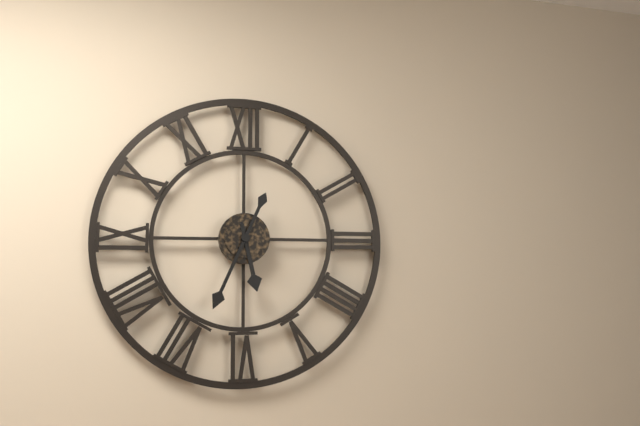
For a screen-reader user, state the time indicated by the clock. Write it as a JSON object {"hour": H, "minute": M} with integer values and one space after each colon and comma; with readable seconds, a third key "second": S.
{"hour": 5, "minute": 34}
